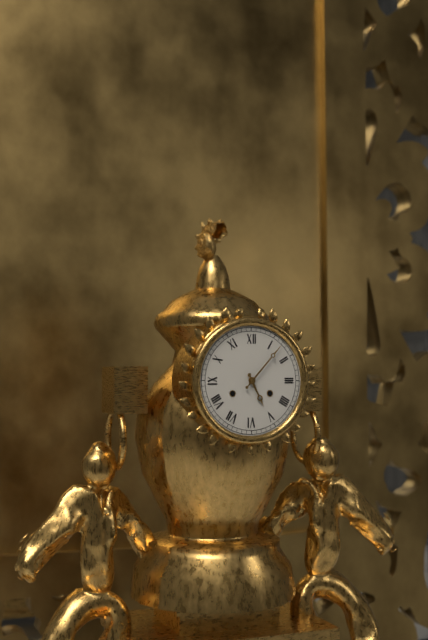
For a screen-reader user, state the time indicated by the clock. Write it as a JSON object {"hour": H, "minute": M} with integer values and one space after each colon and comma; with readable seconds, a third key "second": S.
{"hour": 5, "minute": 7}
